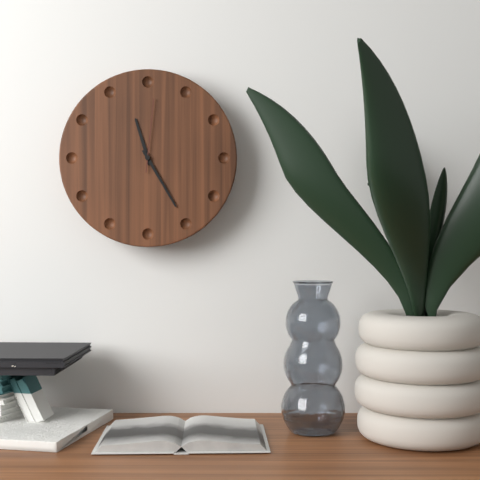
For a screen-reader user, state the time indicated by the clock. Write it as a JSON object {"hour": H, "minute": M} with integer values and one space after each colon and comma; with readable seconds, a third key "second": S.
{"hour": 11, "minute": 25, "second": 1}
